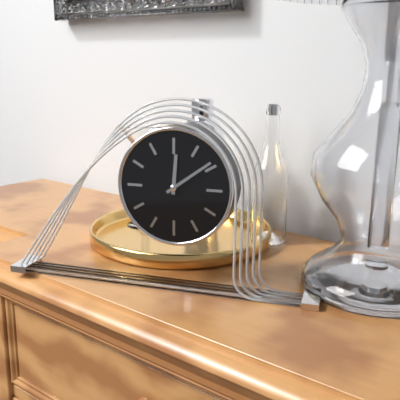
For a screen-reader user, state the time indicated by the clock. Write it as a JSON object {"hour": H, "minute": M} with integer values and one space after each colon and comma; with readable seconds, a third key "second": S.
{"hour": 12, "minute": 9}
